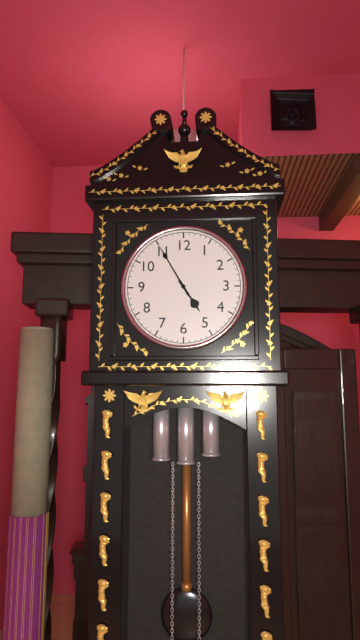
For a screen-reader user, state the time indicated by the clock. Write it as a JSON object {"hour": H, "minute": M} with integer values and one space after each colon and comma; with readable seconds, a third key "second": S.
{"hour": 4, "minute": 55}
